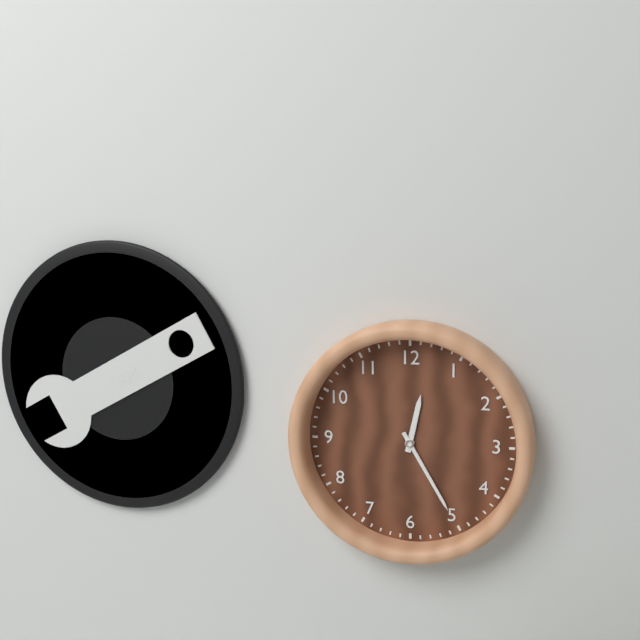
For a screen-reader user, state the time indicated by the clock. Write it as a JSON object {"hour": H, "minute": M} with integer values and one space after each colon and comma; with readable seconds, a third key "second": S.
{"hour": 12, "minute": 25}
